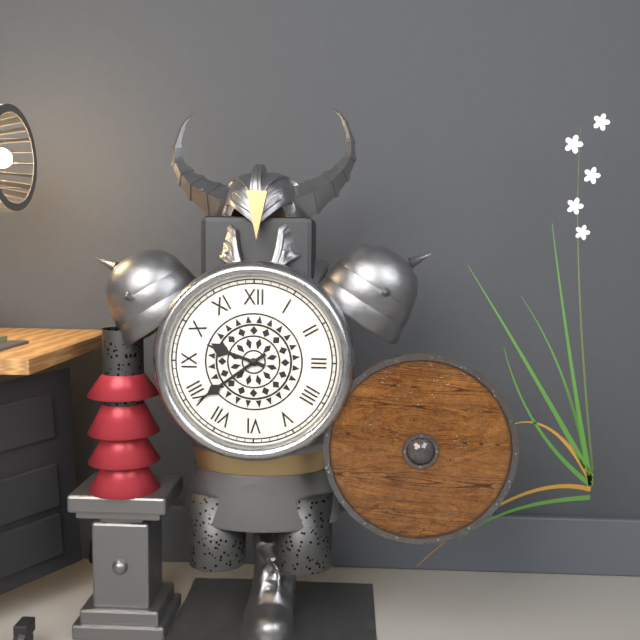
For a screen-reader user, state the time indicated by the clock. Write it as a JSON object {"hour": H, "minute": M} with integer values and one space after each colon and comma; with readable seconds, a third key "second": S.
{"hour": 9, "minute": 39}
